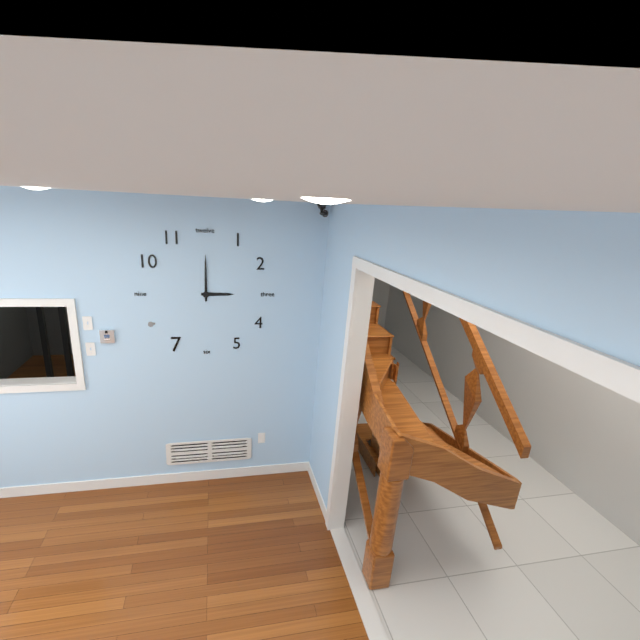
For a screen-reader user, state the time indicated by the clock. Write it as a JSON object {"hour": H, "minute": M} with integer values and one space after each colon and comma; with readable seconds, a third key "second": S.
{"hour": 3, "minute": 0}
